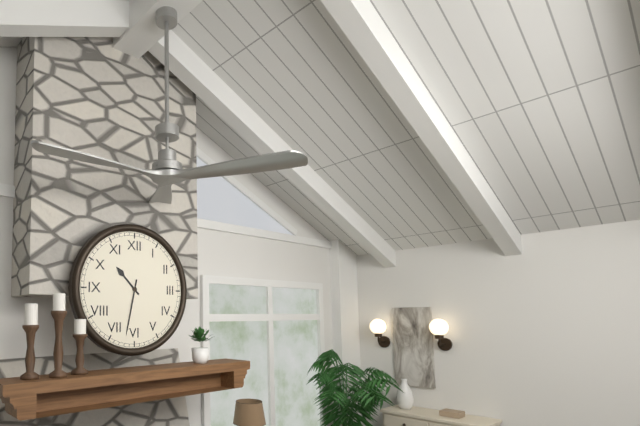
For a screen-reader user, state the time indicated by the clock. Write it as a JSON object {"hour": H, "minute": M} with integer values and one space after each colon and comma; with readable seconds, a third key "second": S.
{"hour": 10, "minute": 32}
